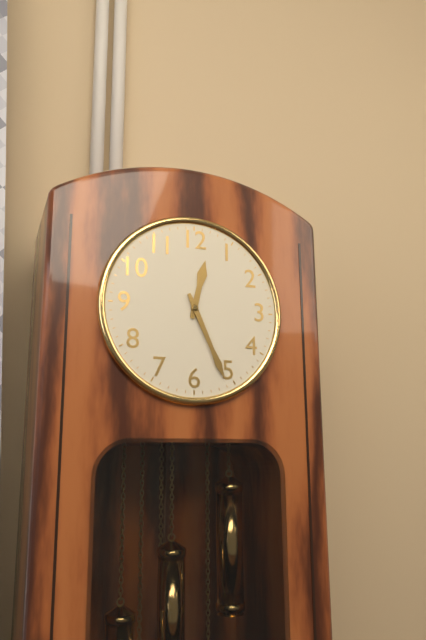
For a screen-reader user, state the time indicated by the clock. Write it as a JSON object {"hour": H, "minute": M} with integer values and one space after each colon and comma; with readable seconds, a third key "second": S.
{"hour": 12, "minute": 26}
